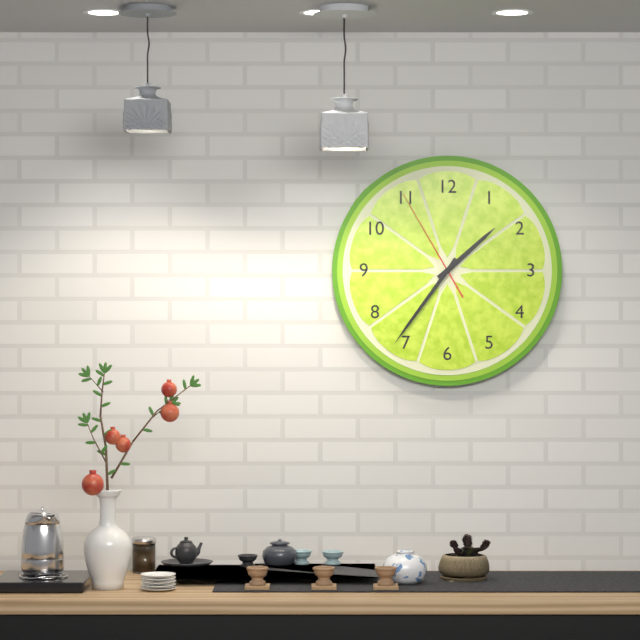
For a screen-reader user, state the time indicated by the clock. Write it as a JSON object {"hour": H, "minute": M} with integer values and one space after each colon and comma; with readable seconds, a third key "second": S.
{"hour": 1, "minute": 36, "second": 55}
